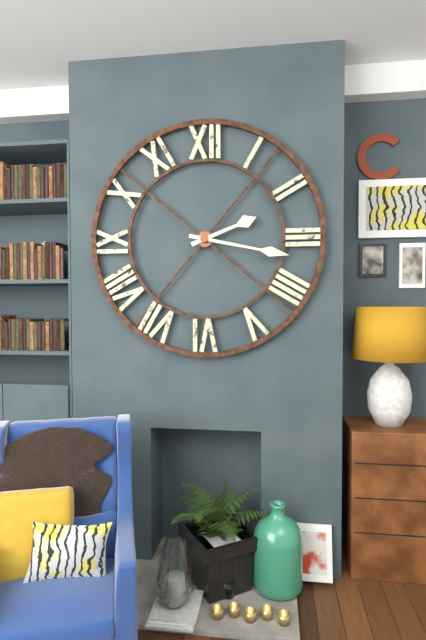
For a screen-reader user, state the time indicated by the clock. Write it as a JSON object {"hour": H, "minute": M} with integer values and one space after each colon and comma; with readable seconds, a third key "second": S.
{"hour": 2, "minute": 17}
